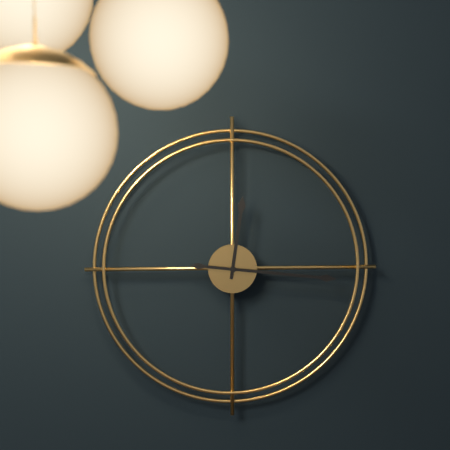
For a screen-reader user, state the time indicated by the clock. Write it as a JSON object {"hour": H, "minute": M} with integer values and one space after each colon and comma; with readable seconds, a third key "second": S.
{"hour": 12, "minute": 16}
